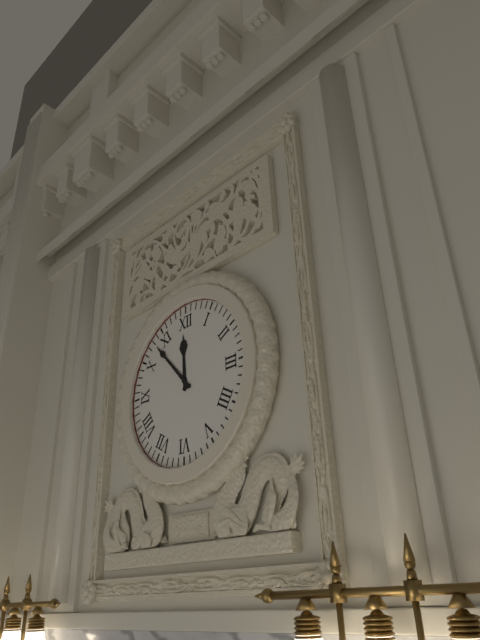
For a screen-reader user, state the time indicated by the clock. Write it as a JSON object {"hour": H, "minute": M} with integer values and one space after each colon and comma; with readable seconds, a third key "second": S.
{"hour": 11, "minute": 53}
